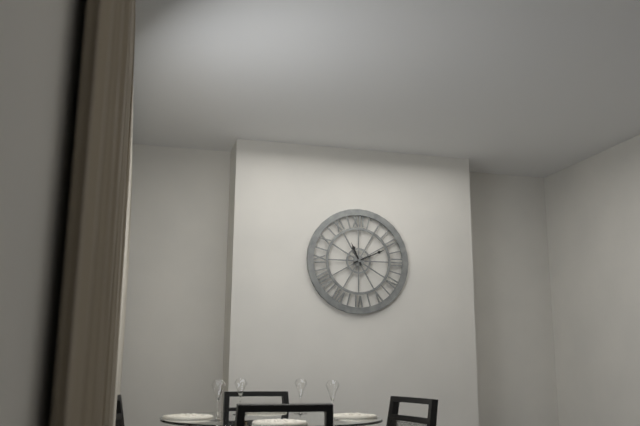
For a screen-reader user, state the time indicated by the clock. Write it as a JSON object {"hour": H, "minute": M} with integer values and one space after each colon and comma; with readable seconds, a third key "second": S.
{"hour": 11, "minute": 11}
